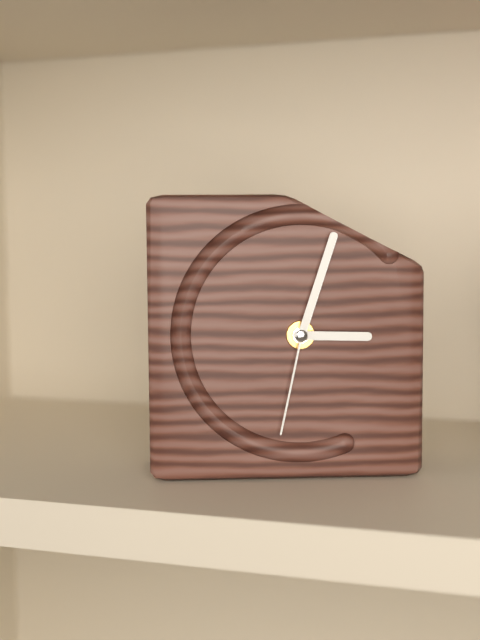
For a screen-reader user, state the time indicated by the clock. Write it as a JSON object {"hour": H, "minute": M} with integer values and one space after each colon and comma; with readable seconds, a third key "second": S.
{"hour": 3, "minute": 3, "second": 32}
